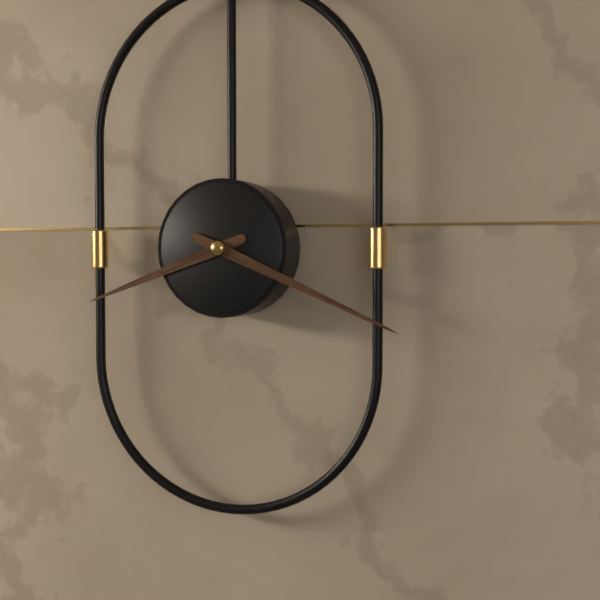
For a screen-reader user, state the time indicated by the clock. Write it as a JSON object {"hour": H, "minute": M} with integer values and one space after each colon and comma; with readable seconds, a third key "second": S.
{"hour": 8, "minute": 19}
